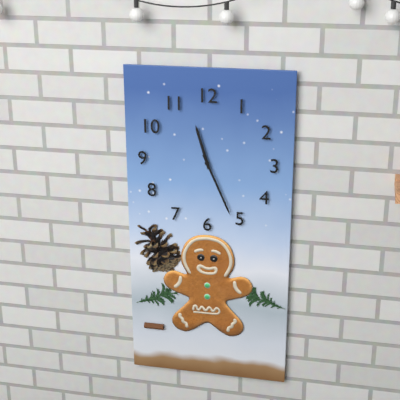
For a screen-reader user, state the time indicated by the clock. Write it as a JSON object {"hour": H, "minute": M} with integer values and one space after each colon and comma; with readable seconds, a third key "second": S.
{"hour": 11, "minute": 26}
